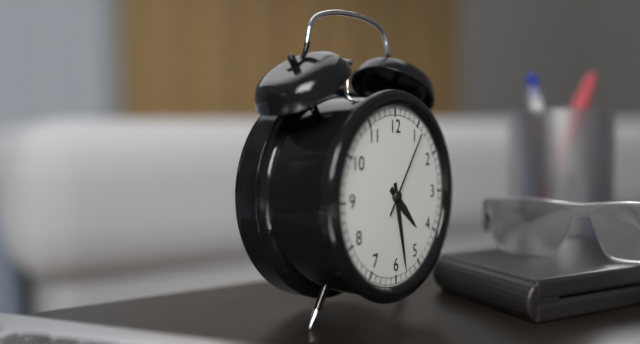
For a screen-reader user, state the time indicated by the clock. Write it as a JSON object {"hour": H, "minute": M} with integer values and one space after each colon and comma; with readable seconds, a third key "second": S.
{"hour": 4, "minute": 28, "second": 6}
